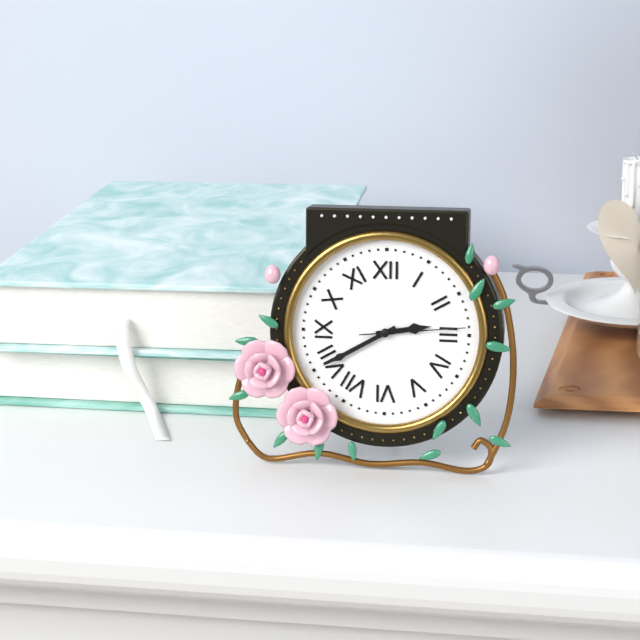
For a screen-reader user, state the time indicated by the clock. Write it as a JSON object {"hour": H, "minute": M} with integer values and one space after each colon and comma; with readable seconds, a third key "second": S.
{"hour": 2, "minute": 40, "second": 14}
